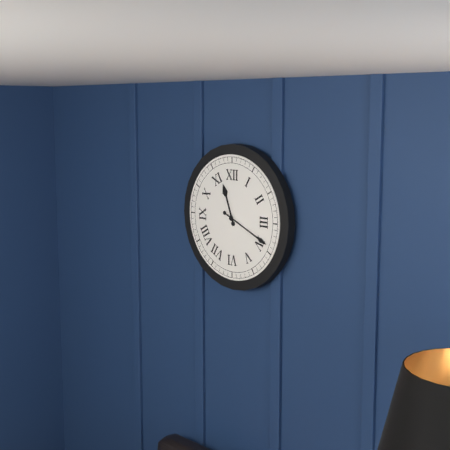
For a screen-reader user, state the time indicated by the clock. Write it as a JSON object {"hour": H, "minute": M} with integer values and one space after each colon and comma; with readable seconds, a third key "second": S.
{"hour": 11, "minute": 19}
